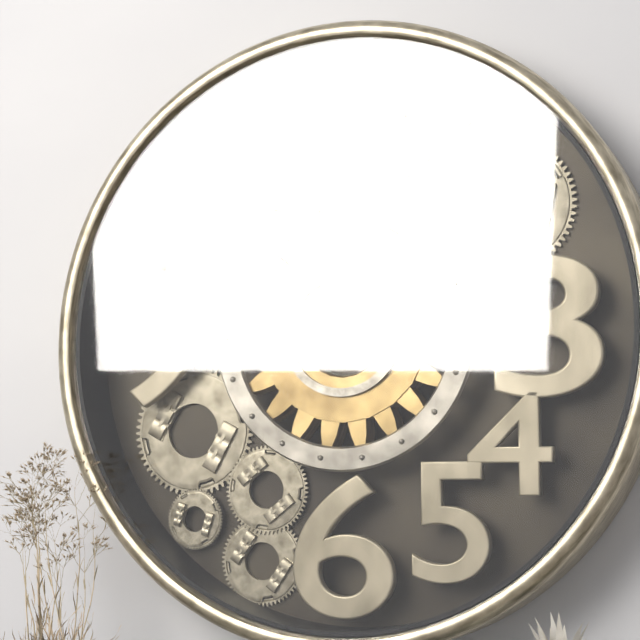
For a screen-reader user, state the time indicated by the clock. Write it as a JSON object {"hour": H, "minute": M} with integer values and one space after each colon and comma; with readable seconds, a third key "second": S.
{"hour": 10, "minute": 49}
